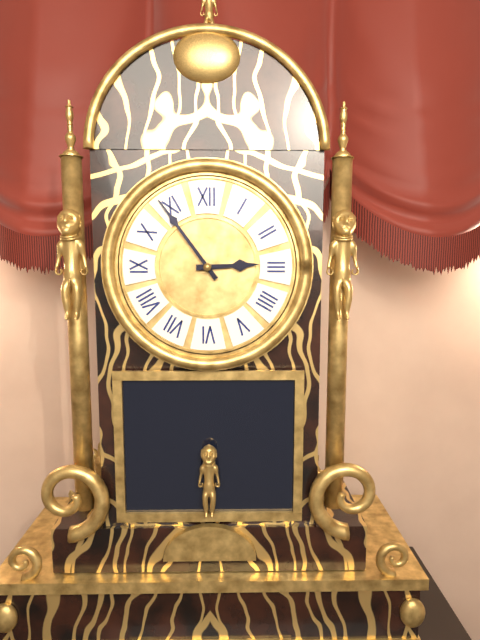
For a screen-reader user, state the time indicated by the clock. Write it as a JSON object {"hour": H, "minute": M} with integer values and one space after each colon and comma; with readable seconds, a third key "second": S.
{"hour": 2, "minute": 54}
